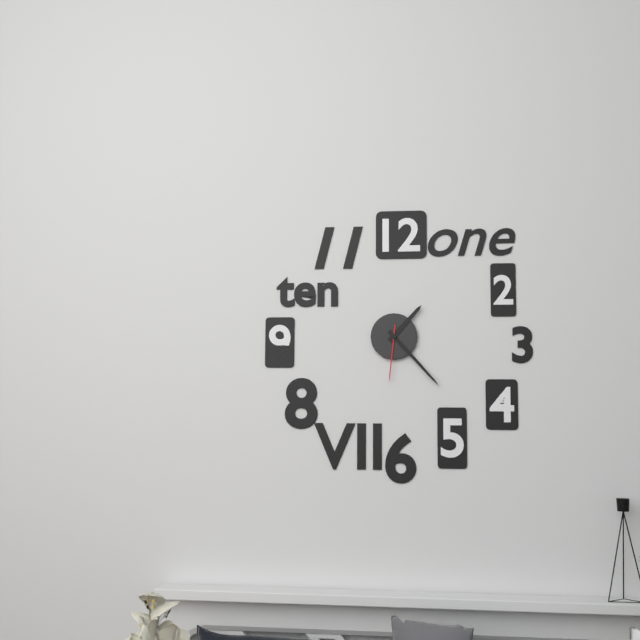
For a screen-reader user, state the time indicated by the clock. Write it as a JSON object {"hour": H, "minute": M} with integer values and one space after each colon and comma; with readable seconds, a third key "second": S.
{"hour": 1, "minute": 23, "second": 31}
